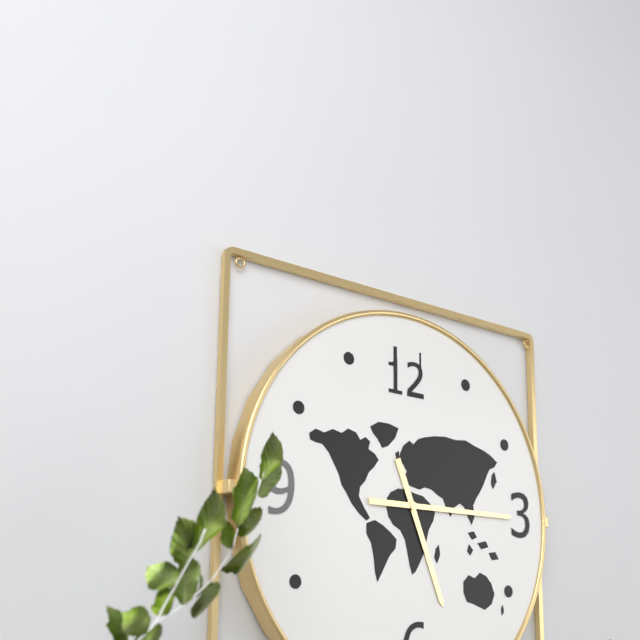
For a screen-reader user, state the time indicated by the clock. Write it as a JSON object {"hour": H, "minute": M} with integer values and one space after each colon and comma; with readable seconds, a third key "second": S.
{"hour": 5, "minute": 15}
